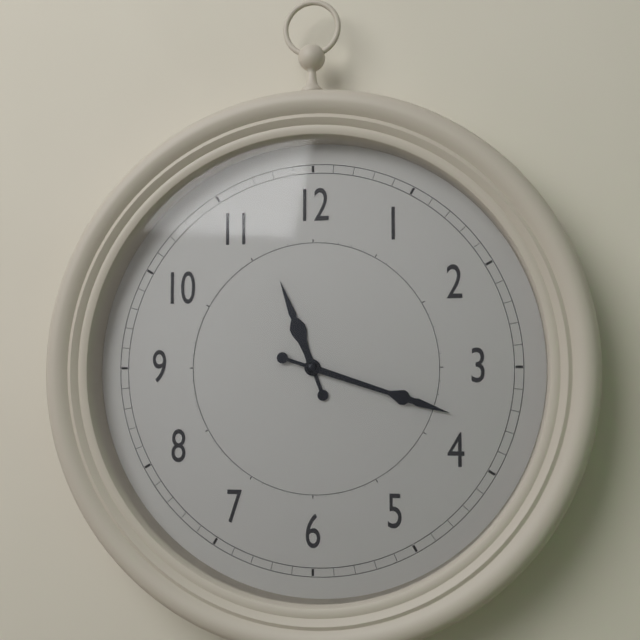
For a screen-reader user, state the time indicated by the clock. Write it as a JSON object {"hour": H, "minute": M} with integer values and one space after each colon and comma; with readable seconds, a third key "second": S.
{"hour": 11, "minute": 18}
